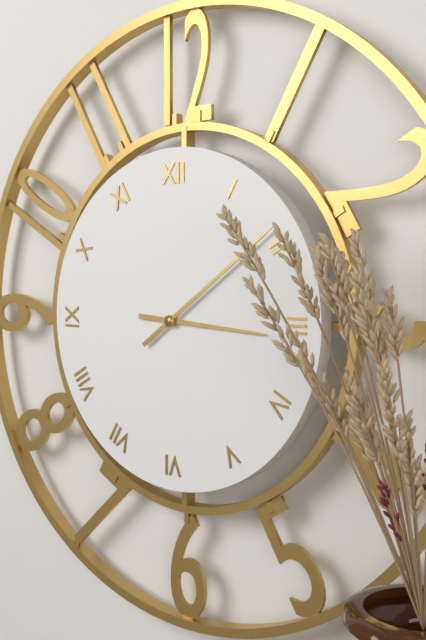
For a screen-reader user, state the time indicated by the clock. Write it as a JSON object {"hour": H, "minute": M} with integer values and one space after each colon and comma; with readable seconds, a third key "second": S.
{"hour": 3, "minute": 9}
